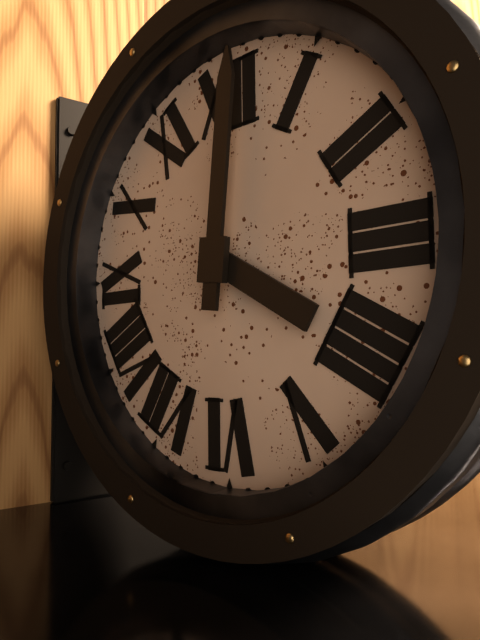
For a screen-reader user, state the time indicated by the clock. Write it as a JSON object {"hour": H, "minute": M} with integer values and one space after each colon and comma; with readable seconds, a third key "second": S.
{"hour": 4, "minute": 1}
